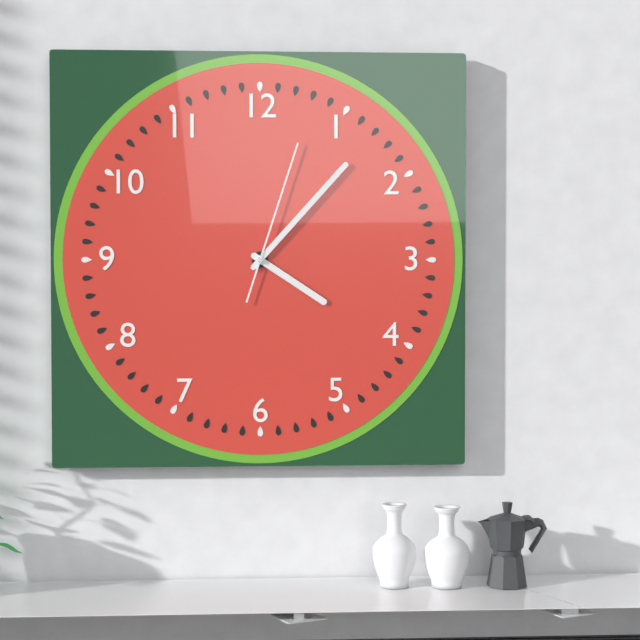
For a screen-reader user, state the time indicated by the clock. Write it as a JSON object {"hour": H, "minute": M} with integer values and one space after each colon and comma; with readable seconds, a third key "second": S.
{"hour": 4, "minute": 7, "second": 3}
